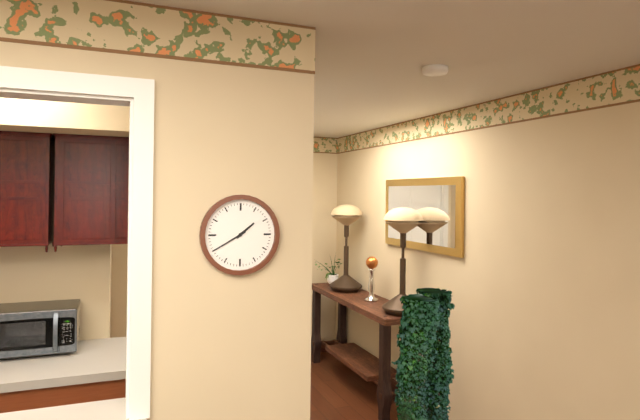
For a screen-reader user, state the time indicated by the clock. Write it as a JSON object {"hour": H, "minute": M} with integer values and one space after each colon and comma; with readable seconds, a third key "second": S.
{"hour": 1, "minute": 40}
